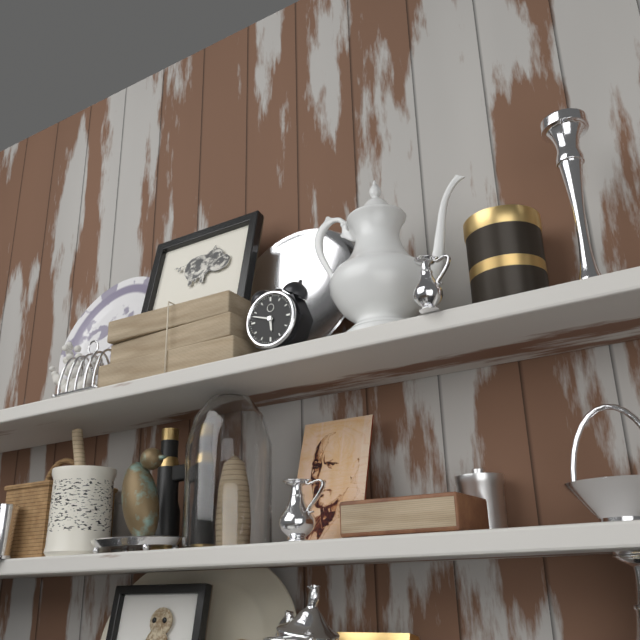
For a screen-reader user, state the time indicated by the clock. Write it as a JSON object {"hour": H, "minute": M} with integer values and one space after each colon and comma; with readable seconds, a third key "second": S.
{"hour": 5, "minute": 48}
